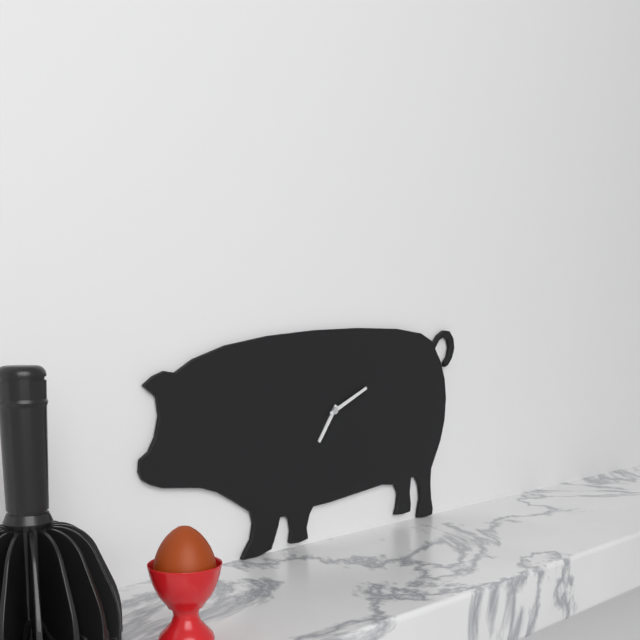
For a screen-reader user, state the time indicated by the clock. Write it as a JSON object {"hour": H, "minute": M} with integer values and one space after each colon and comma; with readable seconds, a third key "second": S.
{"hour": 7, "minute": 11}
